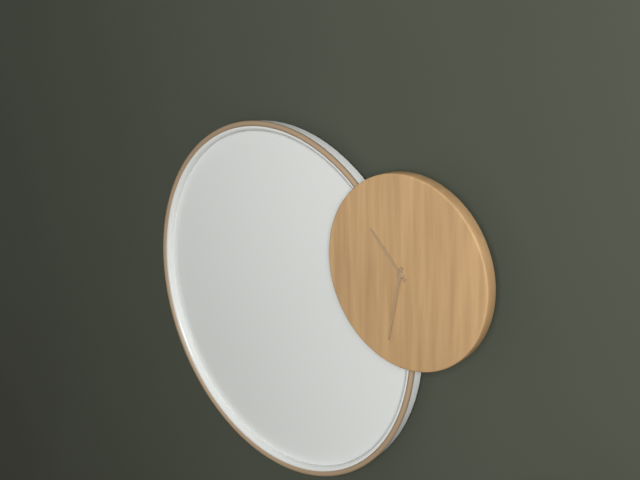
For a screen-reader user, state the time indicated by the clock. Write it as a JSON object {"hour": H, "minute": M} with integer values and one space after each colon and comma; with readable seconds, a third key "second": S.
{"hour": 10, "minute": 32}
